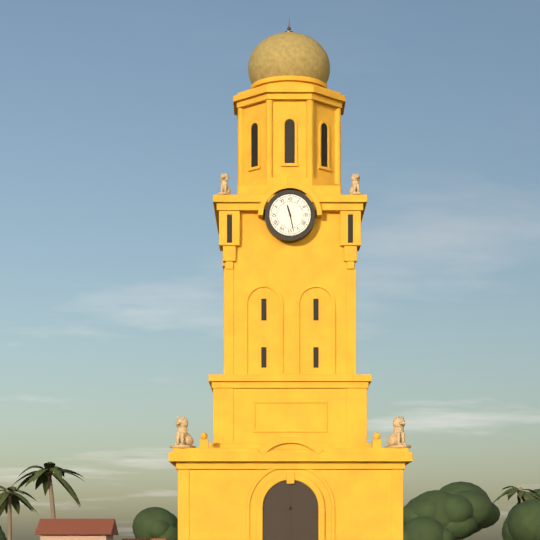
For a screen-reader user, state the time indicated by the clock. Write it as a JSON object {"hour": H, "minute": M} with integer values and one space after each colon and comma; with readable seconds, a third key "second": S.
{"hour": 11, "minute": 28}
